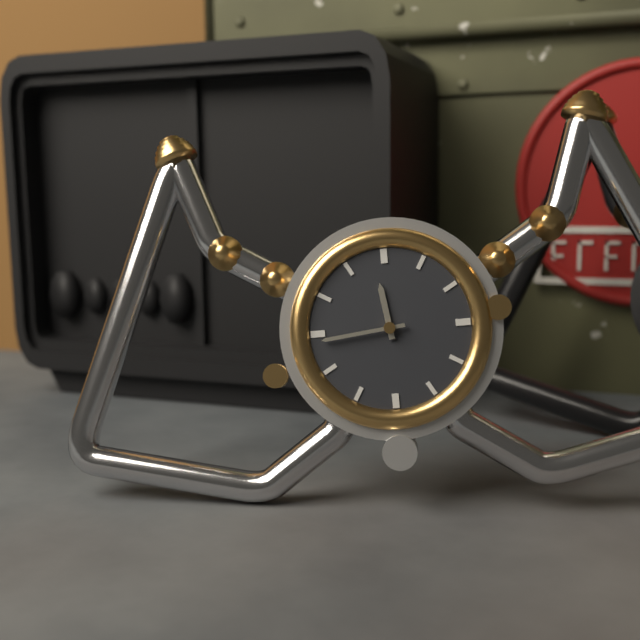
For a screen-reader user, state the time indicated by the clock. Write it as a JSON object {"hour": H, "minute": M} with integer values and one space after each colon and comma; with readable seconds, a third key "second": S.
{"hour": 11, "minute": 44}
